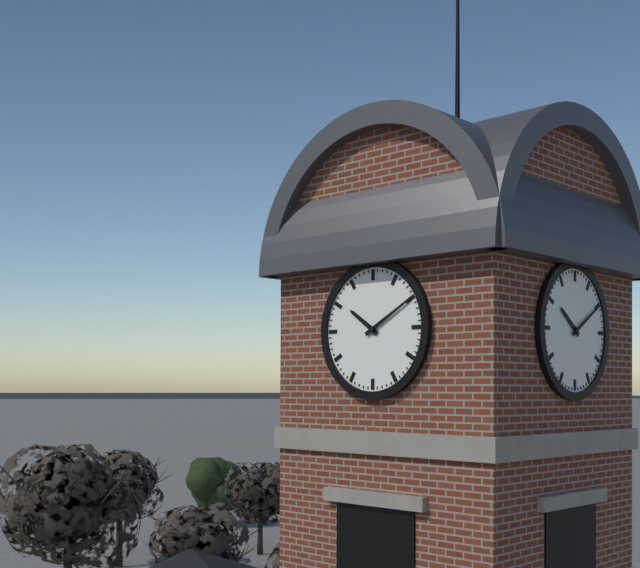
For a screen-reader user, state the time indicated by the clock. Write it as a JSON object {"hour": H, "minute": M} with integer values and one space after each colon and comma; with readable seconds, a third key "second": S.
{"hour": 10, "minute": 10}
